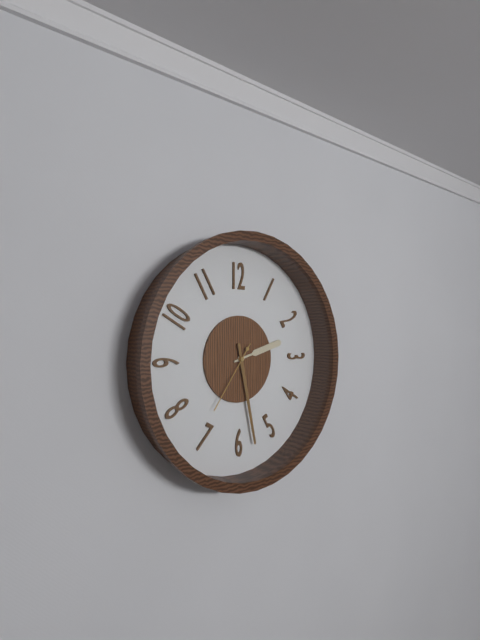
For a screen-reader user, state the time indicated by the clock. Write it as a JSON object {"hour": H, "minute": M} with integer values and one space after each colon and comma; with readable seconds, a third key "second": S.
{"hour": 2, "minute": 28, "second": 36}
